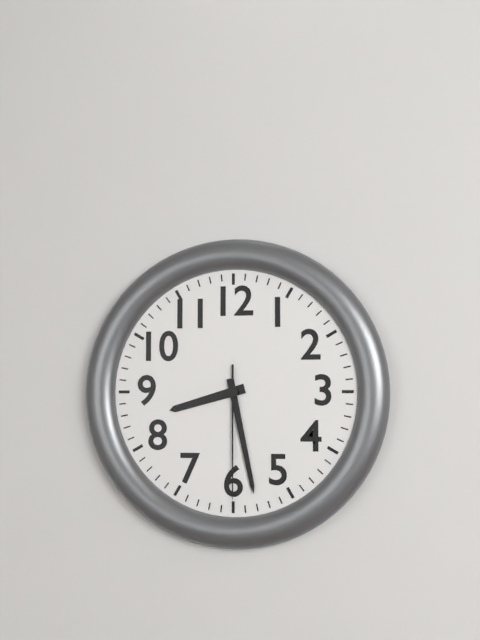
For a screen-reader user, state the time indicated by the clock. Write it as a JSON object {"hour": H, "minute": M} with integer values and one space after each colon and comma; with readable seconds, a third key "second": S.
{"hour": 8, "minute": 28, "second": 30}
